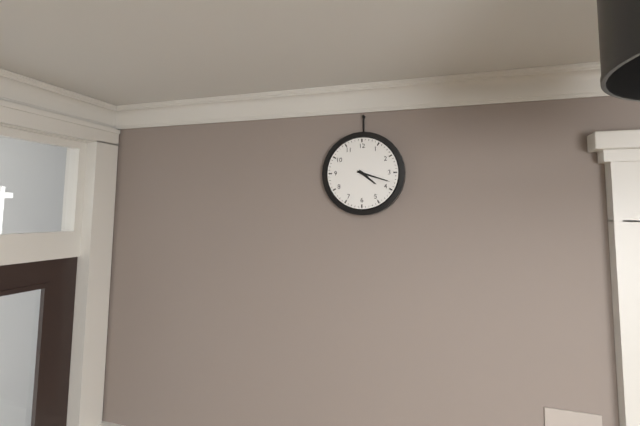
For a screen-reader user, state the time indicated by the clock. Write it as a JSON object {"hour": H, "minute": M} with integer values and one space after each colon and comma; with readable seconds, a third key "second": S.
{"hour": 4, "minute": 18}
